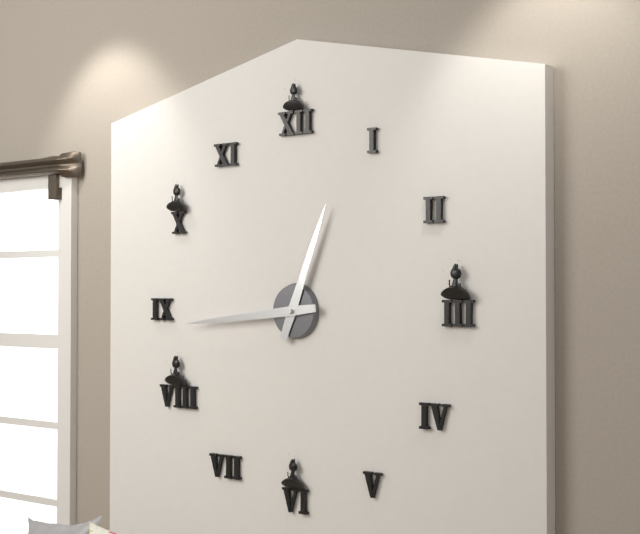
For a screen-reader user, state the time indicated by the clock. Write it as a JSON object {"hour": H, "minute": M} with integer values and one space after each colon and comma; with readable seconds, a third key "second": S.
{"hour": 12, "minute": 44}
